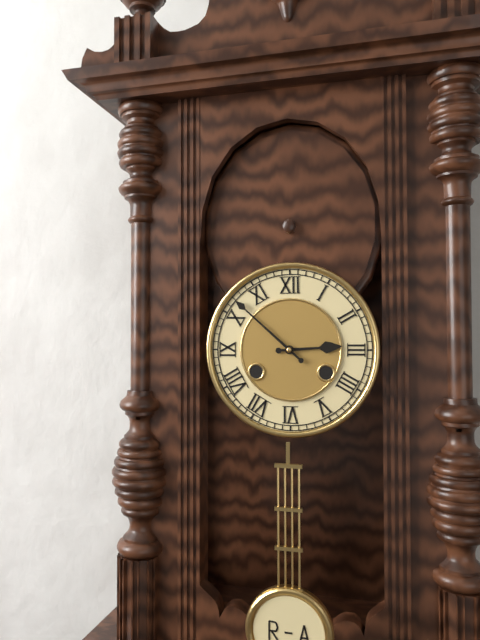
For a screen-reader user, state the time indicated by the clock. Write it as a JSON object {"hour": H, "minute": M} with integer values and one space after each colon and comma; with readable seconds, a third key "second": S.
{"hour": 2, "minute": 52}
